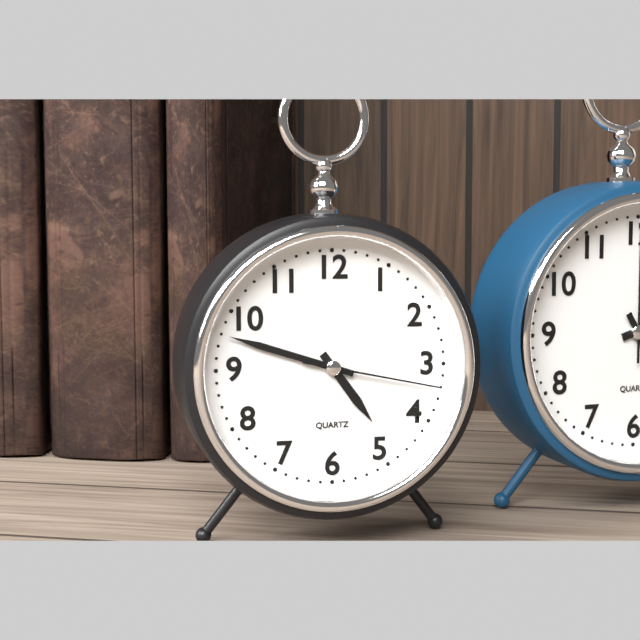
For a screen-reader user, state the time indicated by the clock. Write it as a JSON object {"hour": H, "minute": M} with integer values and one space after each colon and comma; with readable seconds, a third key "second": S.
{"hour": 4, "minute": 48, "second": 17}
